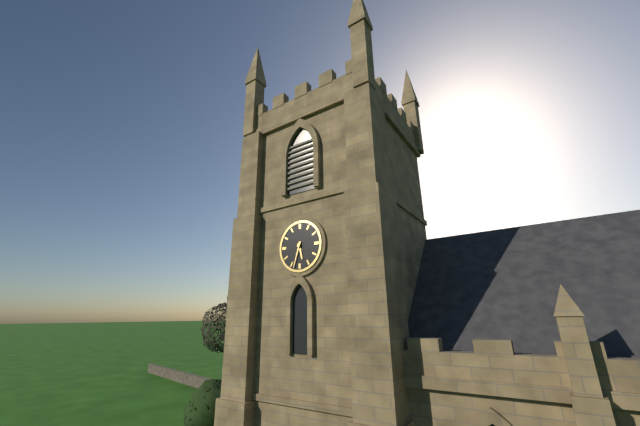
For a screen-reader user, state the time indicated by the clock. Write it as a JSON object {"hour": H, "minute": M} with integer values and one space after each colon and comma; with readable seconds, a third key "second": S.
{"hour": 5, "minute": 33}
